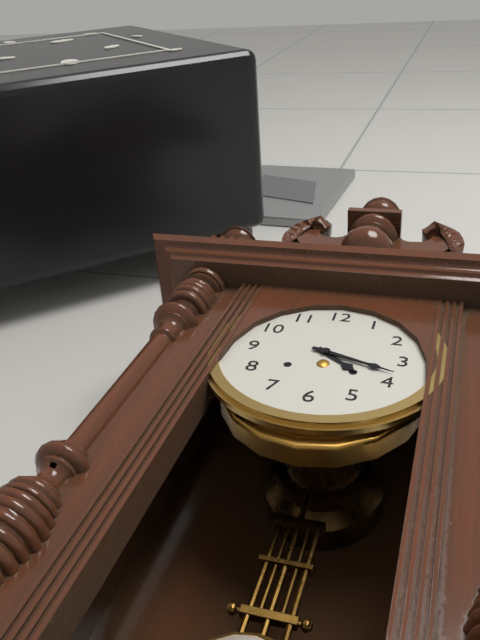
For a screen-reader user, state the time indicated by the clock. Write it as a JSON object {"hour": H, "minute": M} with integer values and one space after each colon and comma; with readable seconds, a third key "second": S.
{"hour": 4, "minute": 18}
